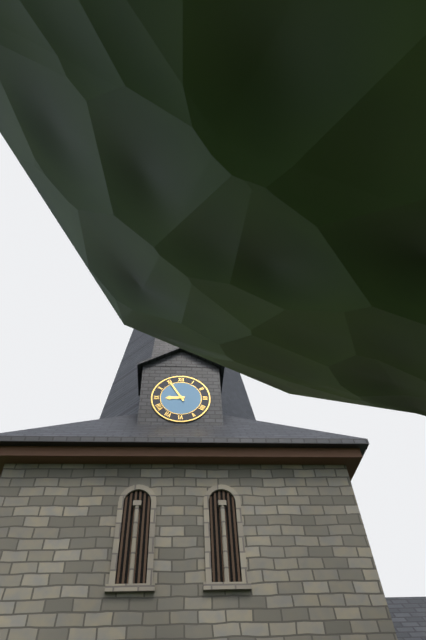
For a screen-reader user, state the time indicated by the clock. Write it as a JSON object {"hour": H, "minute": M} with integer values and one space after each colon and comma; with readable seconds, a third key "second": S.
{"hour": 8, "minute": 55}
